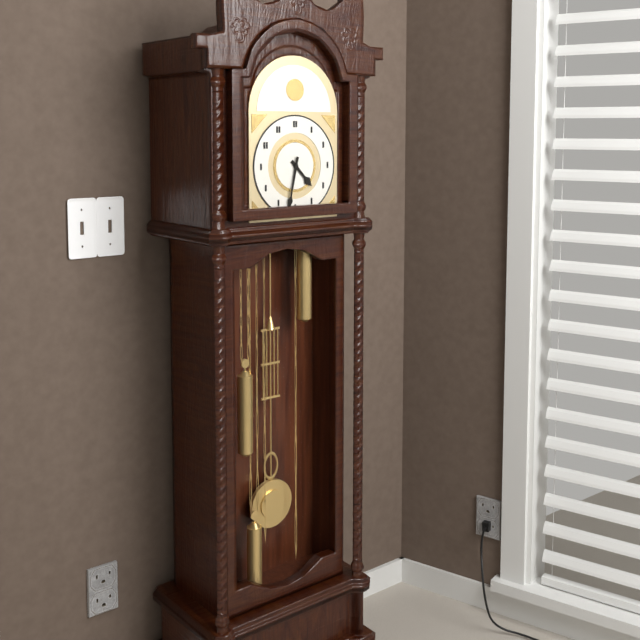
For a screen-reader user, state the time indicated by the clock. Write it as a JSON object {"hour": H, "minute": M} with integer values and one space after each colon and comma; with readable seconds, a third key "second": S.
{"hour": 4, "minute": 32}
